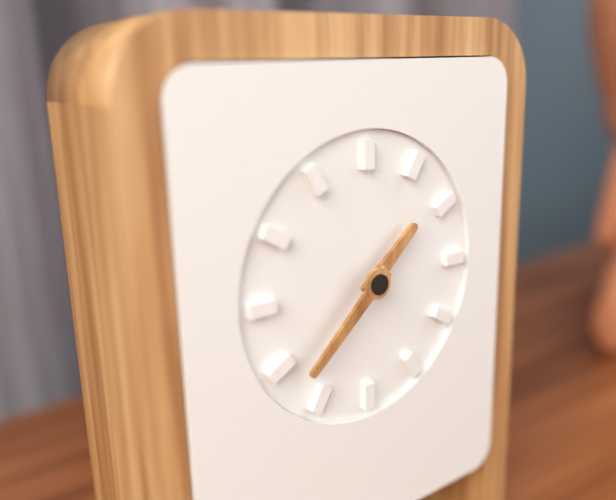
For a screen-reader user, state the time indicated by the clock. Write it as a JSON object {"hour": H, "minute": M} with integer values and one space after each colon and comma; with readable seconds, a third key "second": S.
{"hour": 1, "minute": 38}
